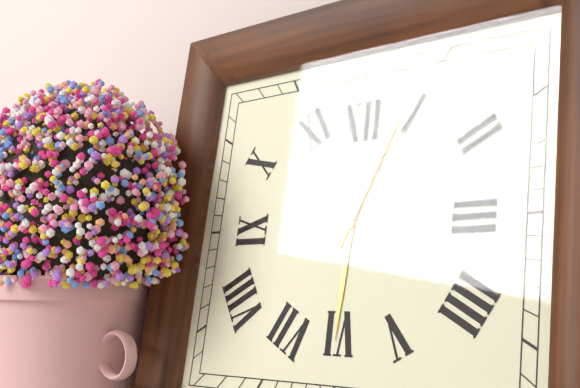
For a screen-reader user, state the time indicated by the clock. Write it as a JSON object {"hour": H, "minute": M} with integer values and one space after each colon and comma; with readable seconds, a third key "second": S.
{"hour": 6, "minute": 4}
